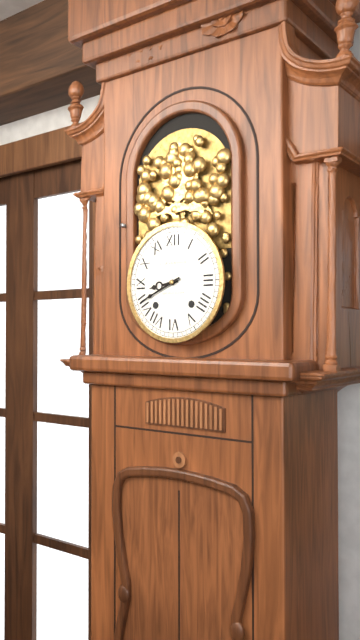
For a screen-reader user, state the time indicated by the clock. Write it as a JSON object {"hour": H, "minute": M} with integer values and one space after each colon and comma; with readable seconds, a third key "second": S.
{"hour": 8, "minute": 41}
